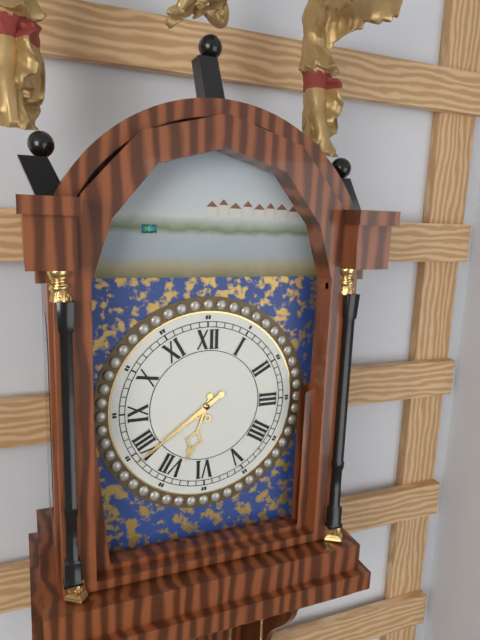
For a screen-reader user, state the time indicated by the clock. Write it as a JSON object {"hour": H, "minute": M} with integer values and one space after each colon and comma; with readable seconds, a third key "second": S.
{"hour": 6, "minute": 39}
